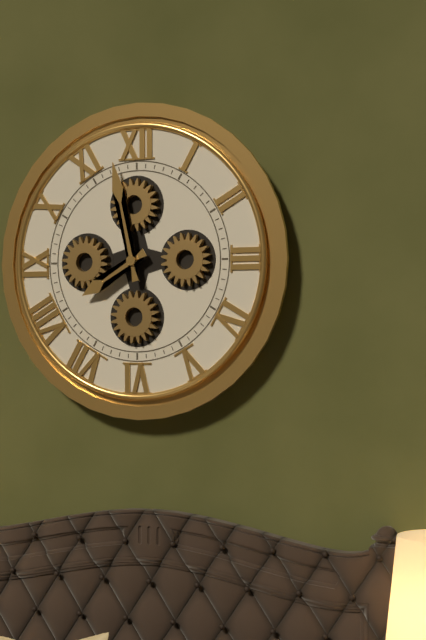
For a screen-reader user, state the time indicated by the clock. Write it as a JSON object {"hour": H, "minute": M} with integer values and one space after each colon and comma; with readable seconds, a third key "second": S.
{"hour": 7, "minute": 58}
